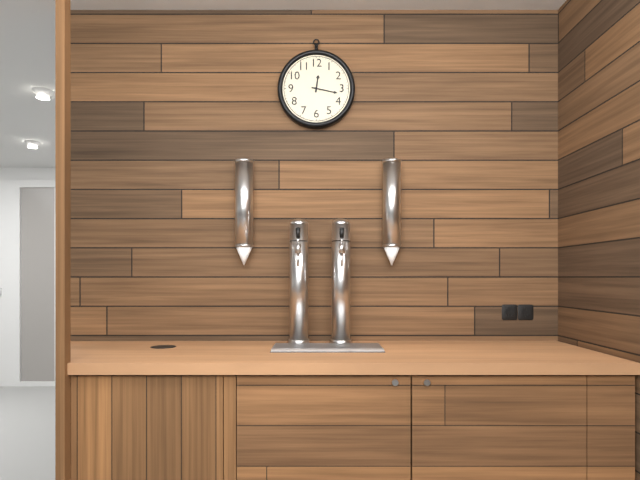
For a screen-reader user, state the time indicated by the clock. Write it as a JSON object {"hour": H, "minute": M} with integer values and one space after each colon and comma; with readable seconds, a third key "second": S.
{"hour": 12, "minute": 17}
